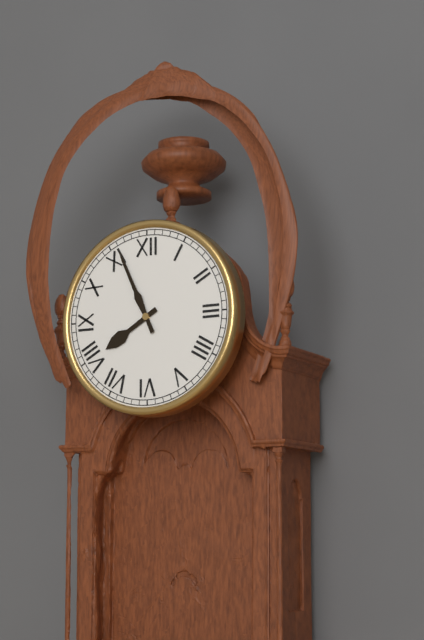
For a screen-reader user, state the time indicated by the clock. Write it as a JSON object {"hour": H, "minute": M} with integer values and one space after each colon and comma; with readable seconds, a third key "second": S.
{"hour": 7, "minute": 56}
